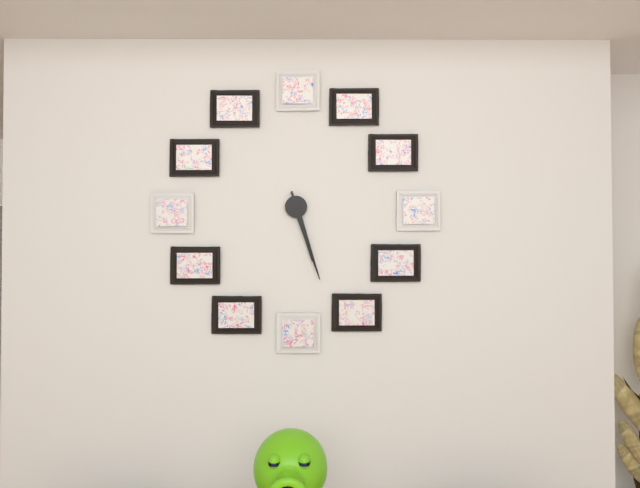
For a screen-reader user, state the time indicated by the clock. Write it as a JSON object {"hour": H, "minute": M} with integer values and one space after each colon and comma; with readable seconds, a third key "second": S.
{"hour": 5, "minute": 27}
